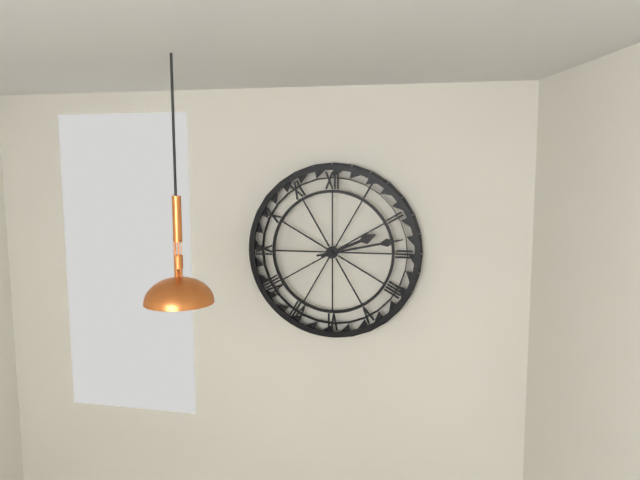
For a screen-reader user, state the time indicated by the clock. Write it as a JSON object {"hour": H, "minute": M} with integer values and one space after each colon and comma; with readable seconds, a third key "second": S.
{"hour": 2, "minute": 13}
